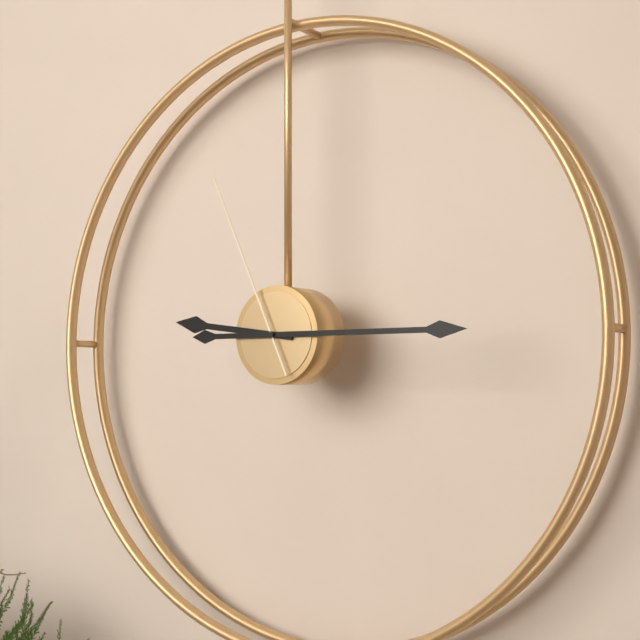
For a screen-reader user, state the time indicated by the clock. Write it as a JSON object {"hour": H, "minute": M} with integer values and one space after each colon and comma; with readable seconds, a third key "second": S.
{"hour": 9, "minute": 15, "second": 56}
